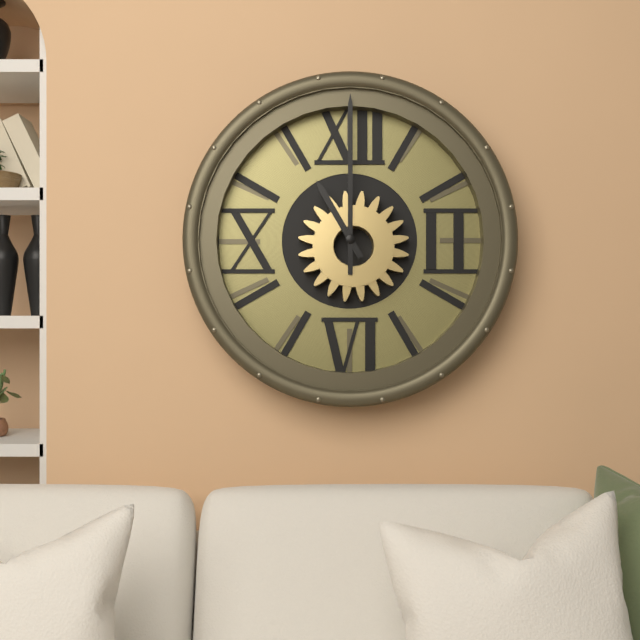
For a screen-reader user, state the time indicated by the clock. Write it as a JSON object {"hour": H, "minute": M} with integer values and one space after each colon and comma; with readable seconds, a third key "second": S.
{"hour": 11, "minute": 0}
